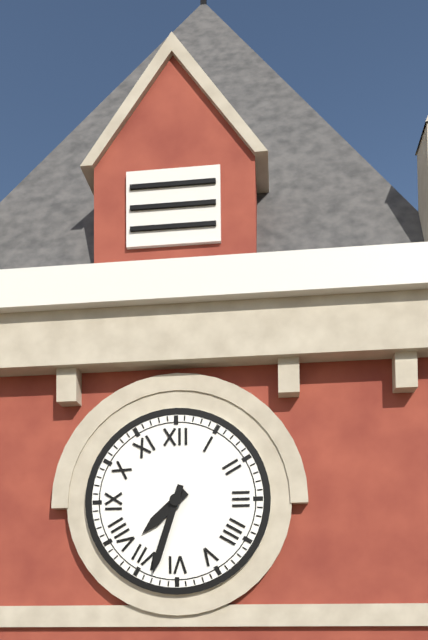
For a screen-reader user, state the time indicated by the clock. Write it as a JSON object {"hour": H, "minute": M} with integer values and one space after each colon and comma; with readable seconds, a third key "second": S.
{"hour": 7, "minute": 33}
